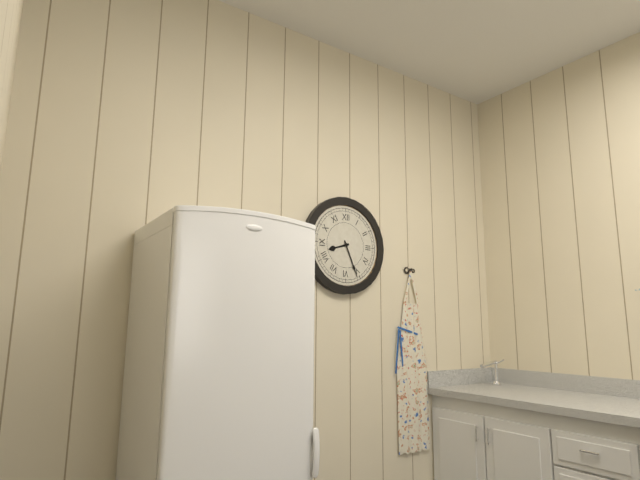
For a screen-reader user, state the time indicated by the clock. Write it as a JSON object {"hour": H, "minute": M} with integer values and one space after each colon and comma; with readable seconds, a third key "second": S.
{"hour": 8, "minute": 26}
